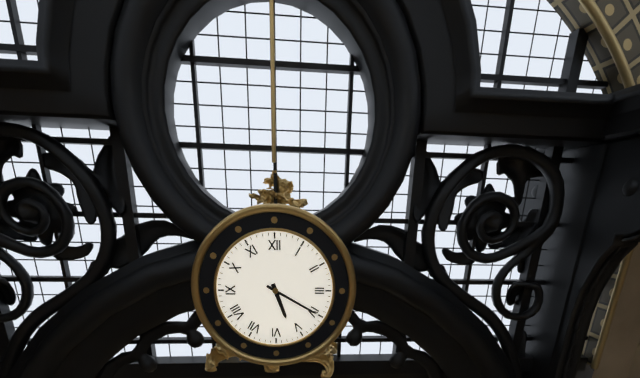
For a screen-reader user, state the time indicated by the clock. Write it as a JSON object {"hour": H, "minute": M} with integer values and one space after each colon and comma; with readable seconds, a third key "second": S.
{"hour": 5, "minute": 20}
